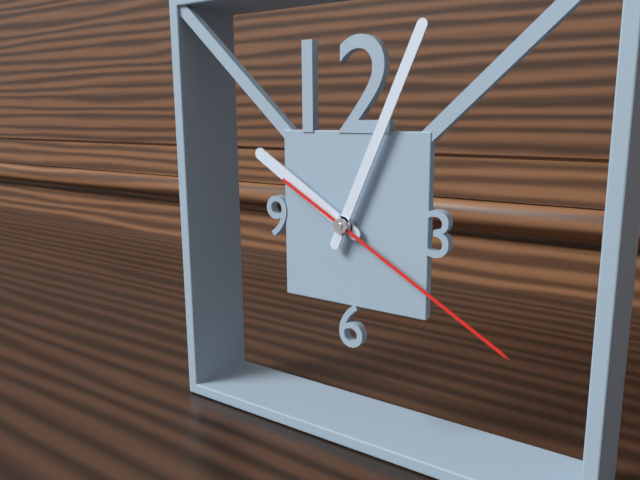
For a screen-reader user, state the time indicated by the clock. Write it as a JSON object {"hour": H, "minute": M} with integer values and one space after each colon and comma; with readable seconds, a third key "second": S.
{"hour": 10, "minute": 4, "second": 20}
